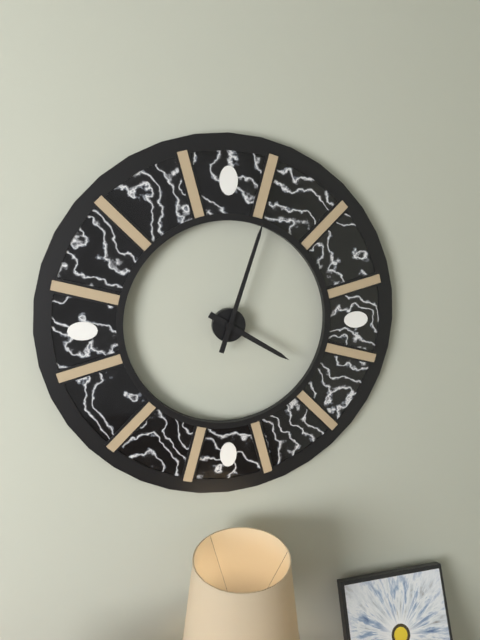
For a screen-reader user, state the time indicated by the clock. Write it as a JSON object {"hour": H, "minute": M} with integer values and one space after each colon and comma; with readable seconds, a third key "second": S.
{"hour": 4, "minute": 3}
